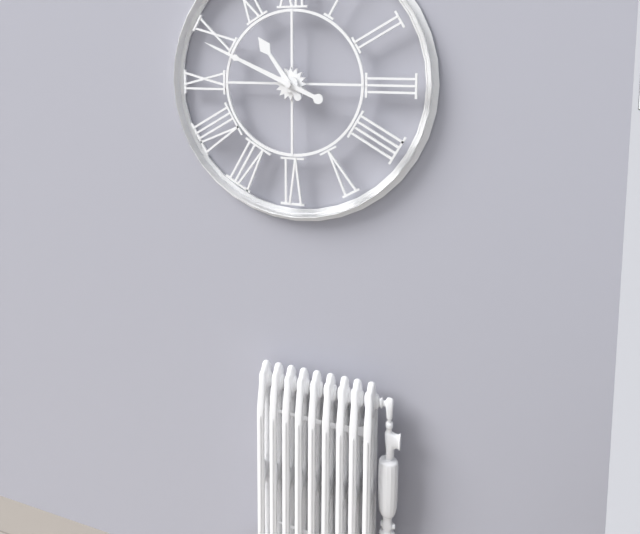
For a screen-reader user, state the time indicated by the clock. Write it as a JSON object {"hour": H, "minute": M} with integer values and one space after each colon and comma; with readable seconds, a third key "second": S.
{"hour": 10, "minute": 49}
